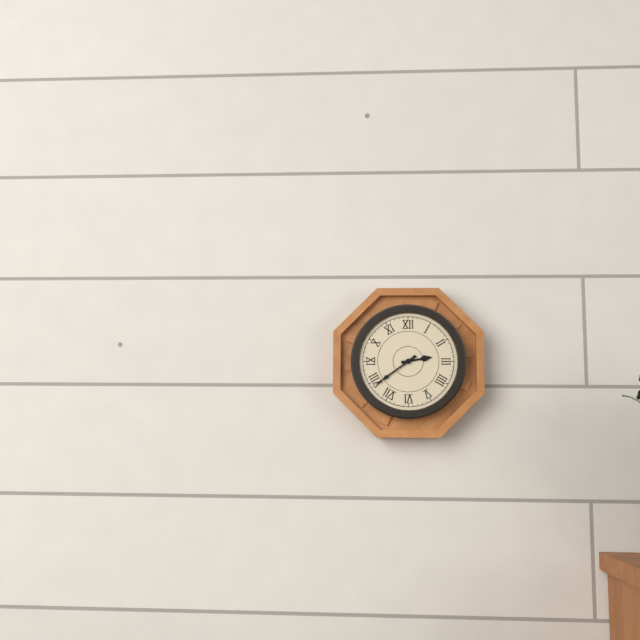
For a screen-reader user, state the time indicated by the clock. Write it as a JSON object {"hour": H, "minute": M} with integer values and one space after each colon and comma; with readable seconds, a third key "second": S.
{"hour": 2, "minute": 39}
